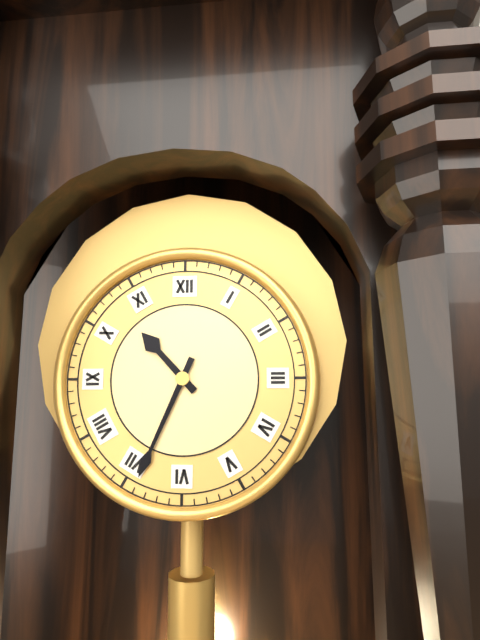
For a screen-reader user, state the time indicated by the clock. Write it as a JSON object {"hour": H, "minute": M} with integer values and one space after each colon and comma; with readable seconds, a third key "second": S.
{"hour": 10, "minute": 34}
